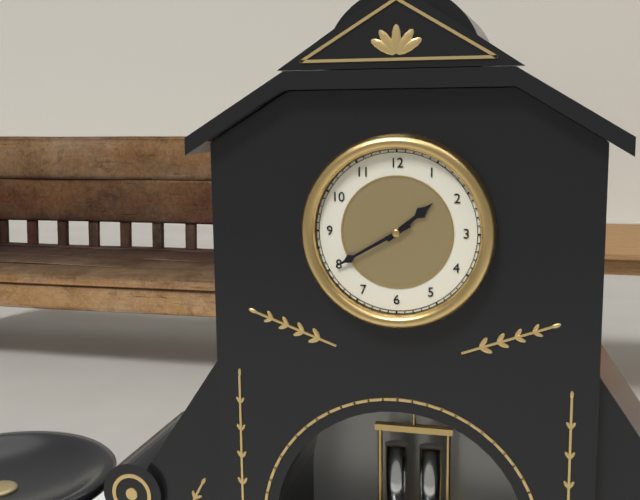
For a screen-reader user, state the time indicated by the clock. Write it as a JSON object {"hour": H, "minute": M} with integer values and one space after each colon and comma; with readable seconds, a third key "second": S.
{"hour": 1, "minute": 40}
